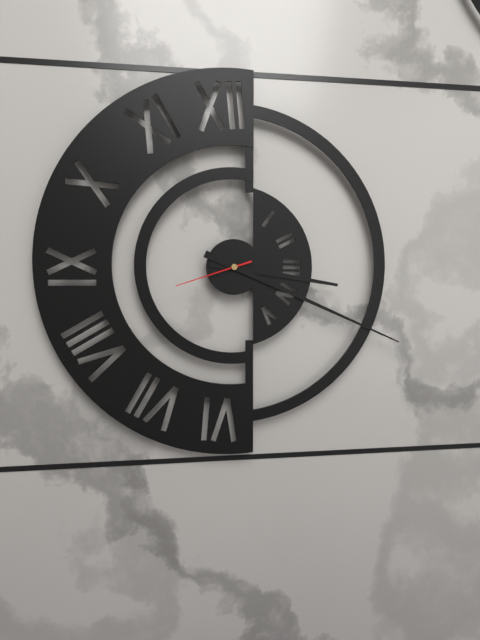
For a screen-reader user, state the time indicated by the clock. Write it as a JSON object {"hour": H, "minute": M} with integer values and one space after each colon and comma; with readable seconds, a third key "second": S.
{"hour": 3, "minute": 19, "second": 42}
